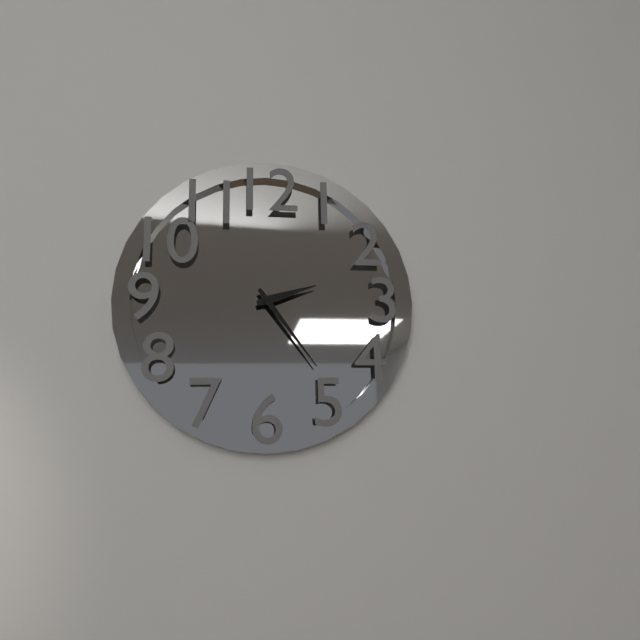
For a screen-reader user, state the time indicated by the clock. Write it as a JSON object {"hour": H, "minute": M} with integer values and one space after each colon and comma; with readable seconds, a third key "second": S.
{"hour": 2, "minute": 24}
